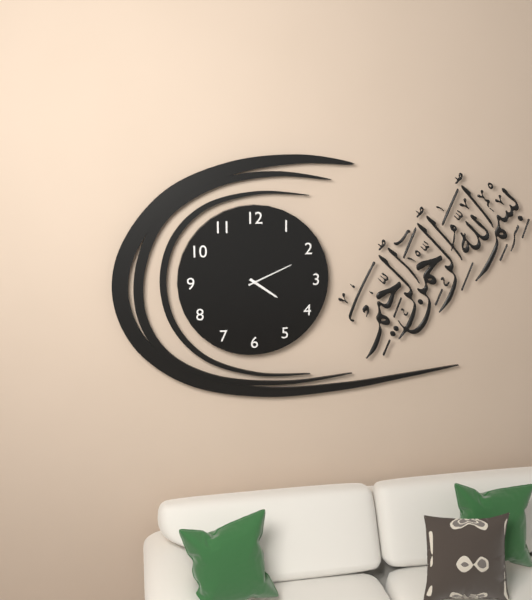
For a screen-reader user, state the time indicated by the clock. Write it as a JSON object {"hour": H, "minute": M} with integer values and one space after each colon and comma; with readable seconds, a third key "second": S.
{"hour": 4, "minute": 11}
